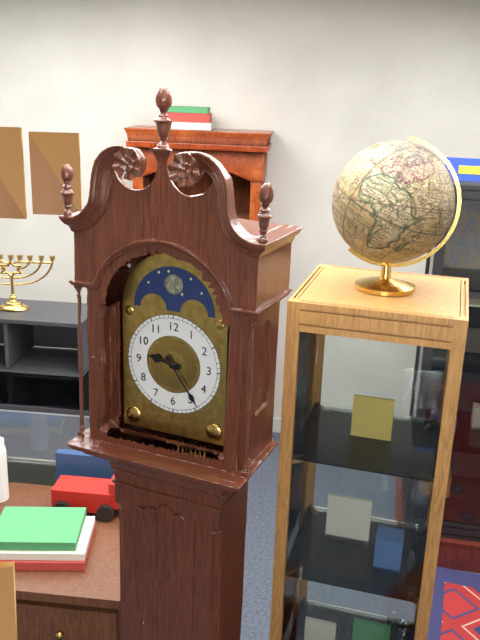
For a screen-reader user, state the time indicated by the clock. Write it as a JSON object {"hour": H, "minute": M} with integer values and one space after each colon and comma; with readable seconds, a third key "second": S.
{"hour": 9, "minute": 24}
